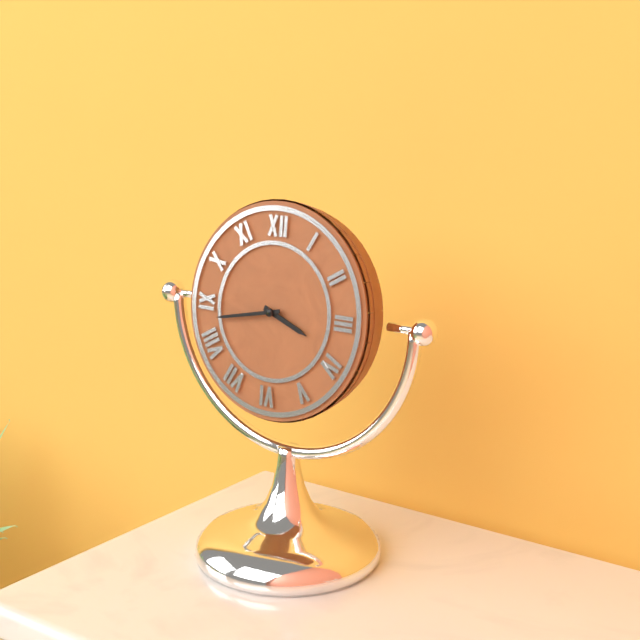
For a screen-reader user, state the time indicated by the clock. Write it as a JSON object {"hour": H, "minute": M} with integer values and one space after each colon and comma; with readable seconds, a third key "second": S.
{"hour": 3, "minute": 43}
